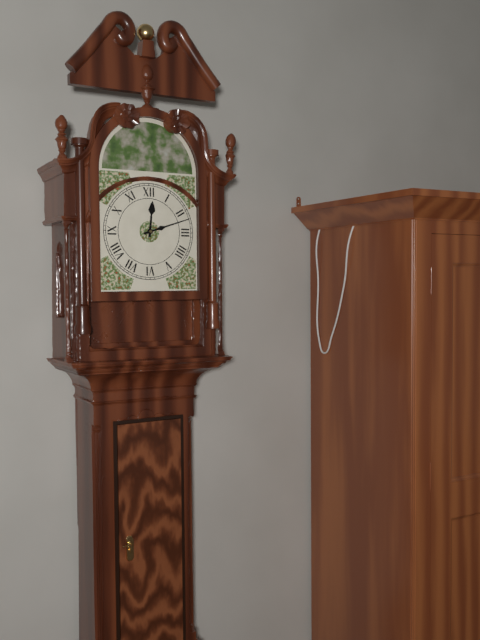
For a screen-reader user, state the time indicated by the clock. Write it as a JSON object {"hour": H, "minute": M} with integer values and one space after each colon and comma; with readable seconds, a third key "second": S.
{"hour": 12, "minute": 12}
